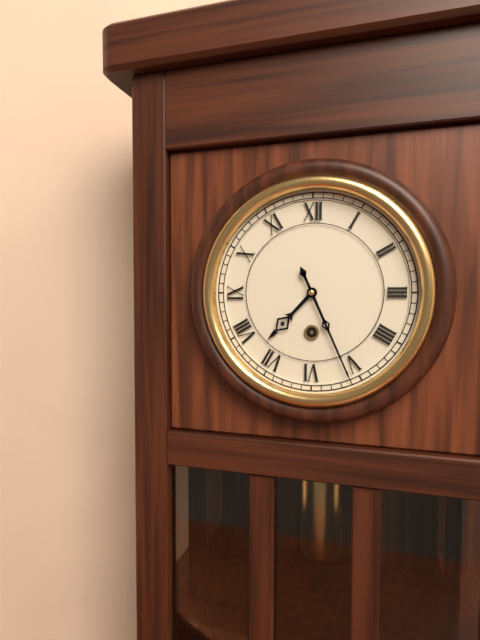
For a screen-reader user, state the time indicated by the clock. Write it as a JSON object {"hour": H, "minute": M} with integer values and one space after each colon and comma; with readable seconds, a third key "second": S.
{"hour": 7, "minute": 26}
